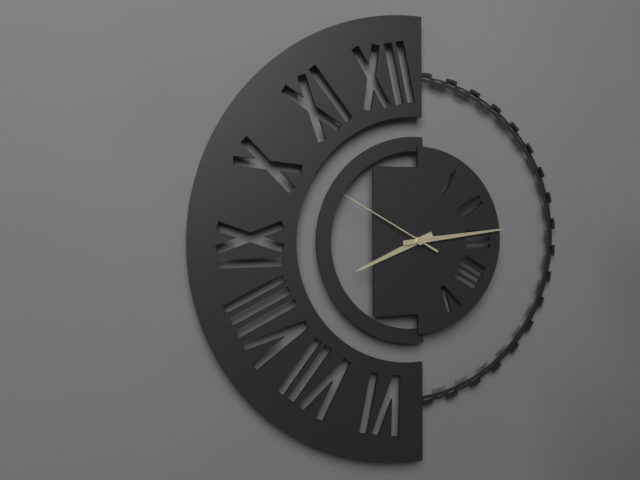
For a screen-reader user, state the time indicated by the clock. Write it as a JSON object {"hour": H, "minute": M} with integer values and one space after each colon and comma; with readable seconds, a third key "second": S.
{"hour": 8, "minute": 14, "second": 50}
